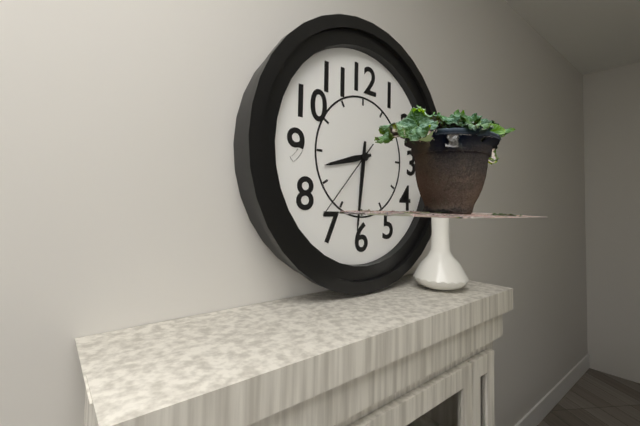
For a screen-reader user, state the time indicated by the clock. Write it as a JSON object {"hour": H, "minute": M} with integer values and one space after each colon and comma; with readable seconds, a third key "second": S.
{"hour": 8, "minute": 31, "second": 37}
